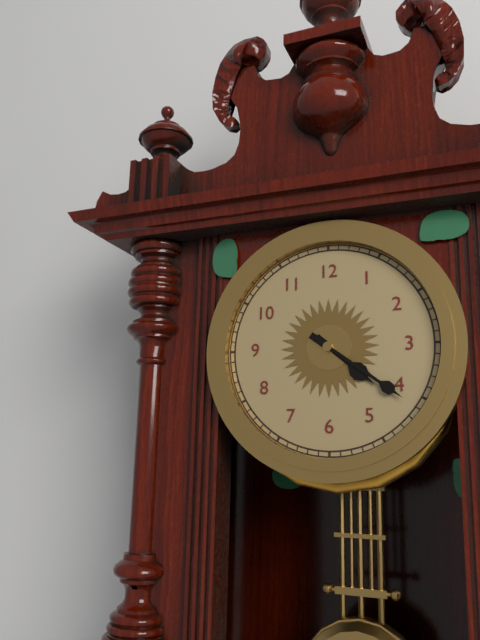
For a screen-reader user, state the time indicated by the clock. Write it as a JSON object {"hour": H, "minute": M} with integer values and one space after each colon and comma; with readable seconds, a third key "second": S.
{"hour": 4, "minute": 21}
